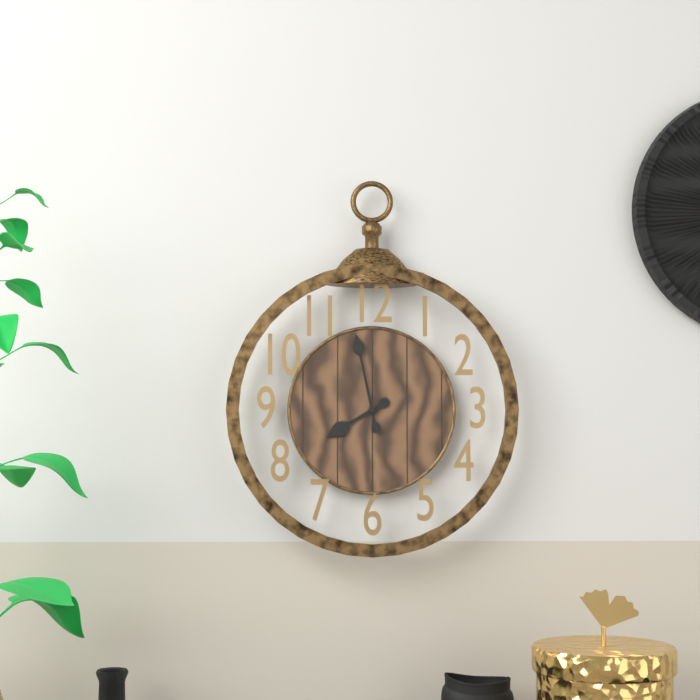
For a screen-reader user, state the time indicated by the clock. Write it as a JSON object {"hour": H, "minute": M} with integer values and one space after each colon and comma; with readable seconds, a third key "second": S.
{"hour": 7, "minute": 58}
